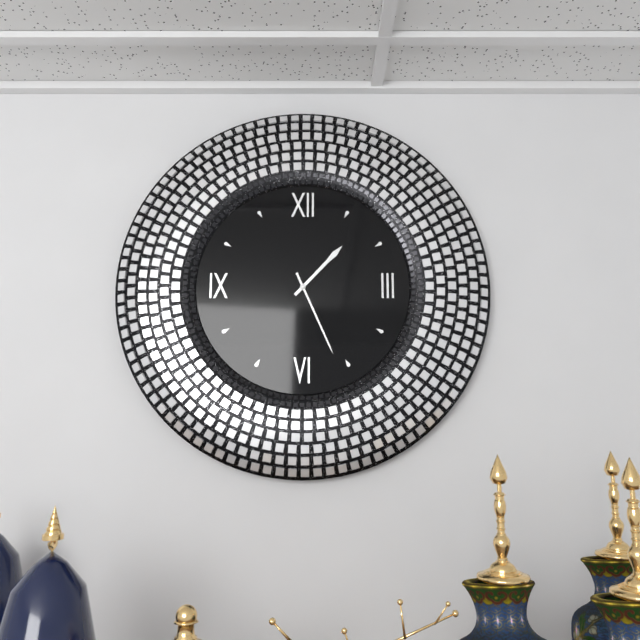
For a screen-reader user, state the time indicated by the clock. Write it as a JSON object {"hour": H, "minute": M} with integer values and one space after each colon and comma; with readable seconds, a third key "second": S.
{"hour": 1, "minute": 26}
